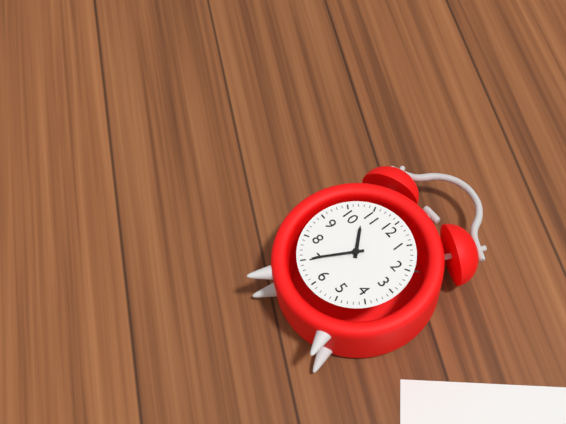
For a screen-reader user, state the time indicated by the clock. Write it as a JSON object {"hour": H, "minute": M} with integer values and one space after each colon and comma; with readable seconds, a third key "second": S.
{"hour": 10, "minute": 35}
